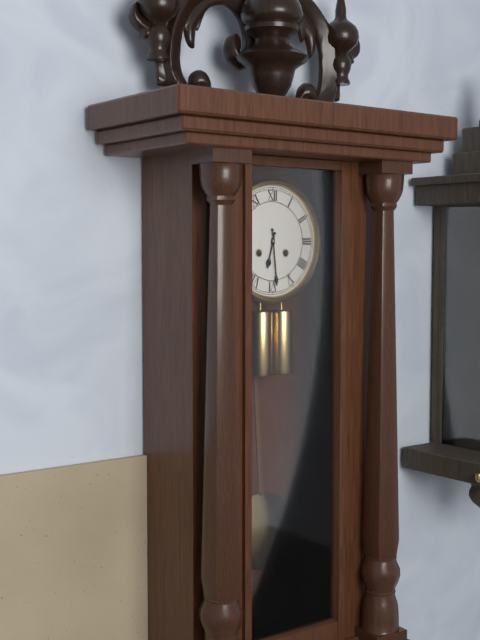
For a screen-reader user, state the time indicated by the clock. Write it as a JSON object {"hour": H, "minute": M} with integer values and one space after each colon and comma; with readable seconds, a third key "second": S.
{"hour": 6, "minute": 29}
